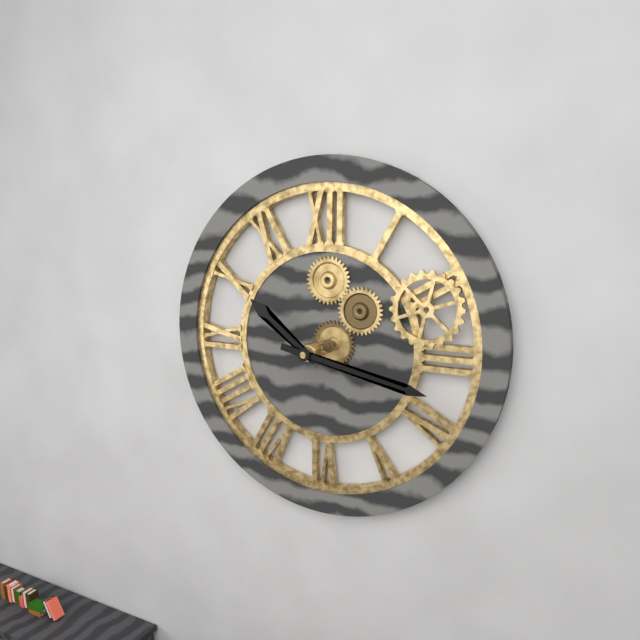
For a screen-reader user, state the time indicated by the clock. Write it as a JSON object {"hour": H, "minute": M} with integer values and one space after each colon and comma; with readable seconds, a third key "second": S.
{"hour": 10, "minute": 17}
